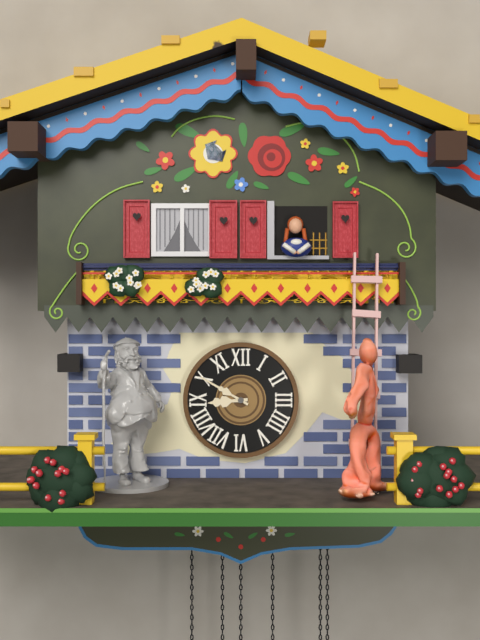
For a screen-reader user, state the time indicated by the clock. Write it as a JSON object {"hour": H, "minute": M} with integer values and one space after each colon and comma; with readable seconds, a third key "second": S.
{"hour": 8, "minute": 50}
